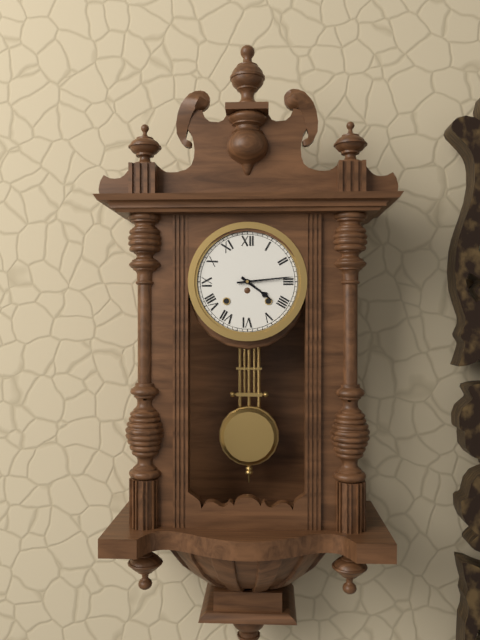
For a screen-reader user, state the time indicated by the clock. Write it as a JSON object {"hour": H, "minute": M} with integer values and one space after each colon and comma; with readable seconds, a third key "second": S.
{"hour": 4, "minute": 14}
